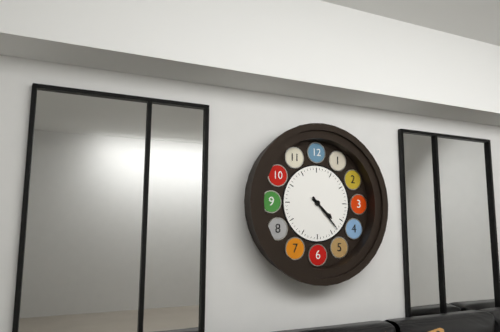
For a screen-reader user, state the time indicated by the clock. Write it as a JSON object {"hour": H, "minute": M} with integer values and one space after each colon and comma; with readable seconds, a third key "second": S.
{"hour": 4, "minute": 23}
